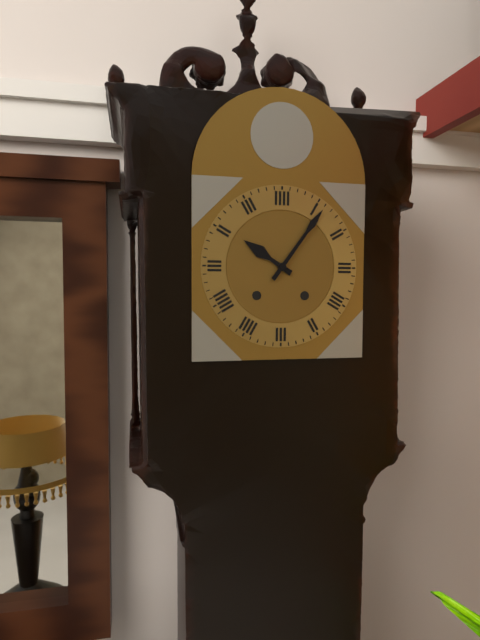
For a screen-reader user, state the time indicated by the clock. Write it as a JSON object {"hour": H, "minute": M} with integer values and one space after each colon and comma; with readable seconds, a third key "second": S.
{"hour": 10, "minute": 6}
